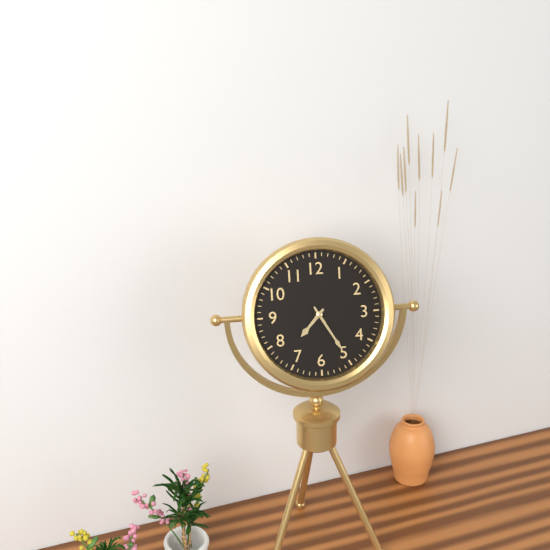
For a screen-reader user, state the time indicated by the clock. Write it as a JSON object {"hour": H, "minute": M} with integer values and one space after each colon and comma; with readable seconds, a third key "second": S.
{"hour": 7, "minute": 25}
